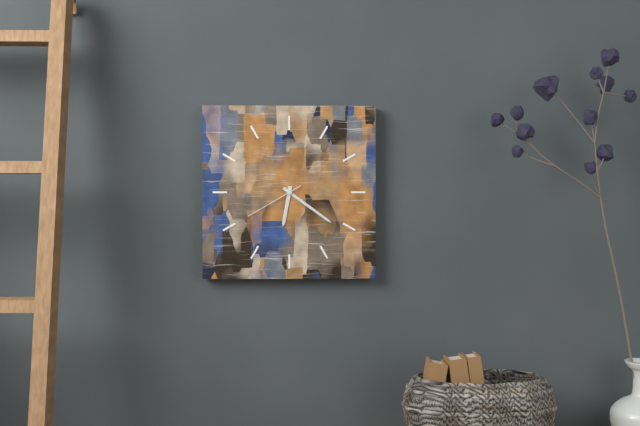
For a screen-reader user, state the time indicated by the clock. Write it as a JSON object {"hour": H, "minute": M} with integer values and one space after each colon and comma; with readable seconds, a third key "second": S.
{"hour": 6, "minute": 21, "second": 40}
